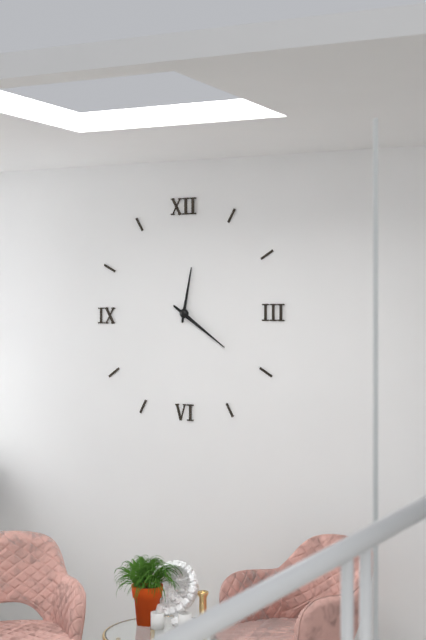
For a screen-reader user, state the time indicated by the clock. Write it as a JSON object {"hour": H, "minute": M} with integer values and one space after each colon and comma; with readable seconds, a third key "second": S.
{"hour": 12, "minute": 21}
